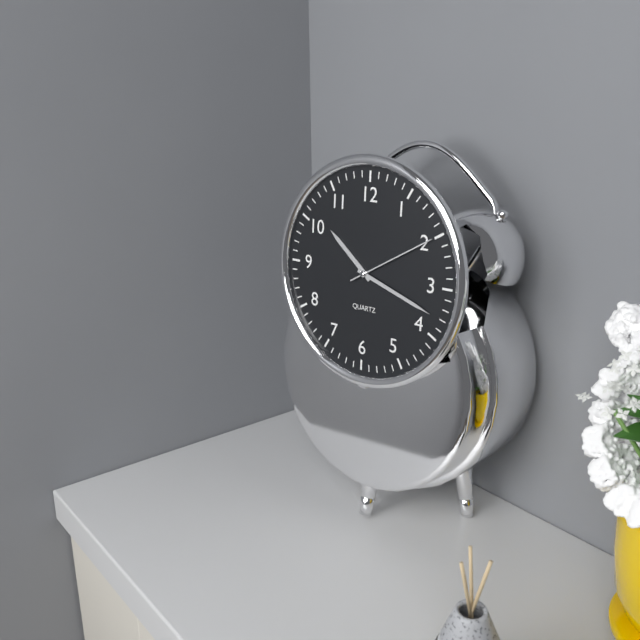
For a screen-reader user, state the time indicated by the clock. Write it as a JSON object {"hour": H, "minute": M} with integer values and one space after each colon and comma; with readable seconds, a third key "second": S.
{"hour": 10, "minute": 18, "second": 10}
